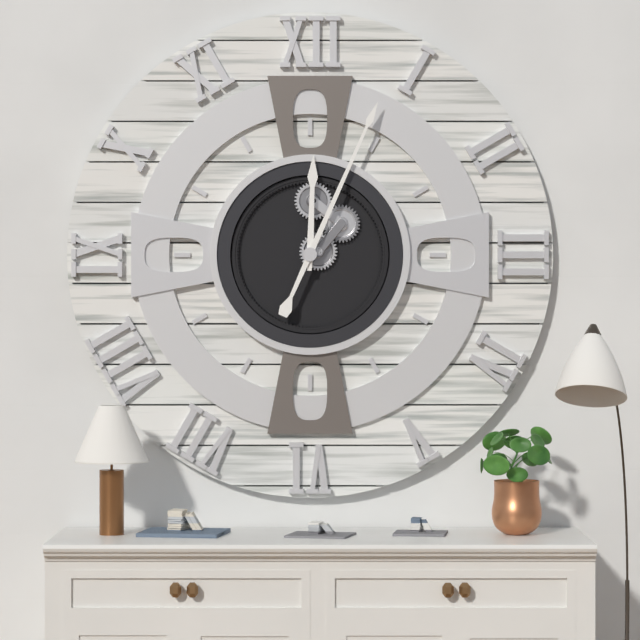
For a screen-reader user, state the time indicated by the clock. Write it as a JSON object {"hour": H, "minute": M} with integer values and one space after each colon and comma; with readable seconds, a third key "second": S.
{"hour": 12, "minute": 4}
